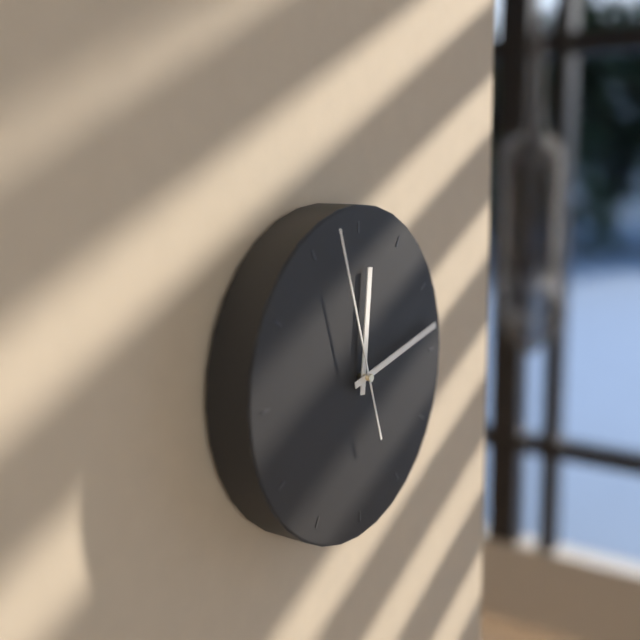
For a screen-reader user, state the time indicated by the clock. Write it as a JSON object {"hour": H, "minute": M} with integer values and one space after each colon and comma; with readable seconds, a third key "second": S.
{"hour": 12, "minute": 13, "second": 57}
